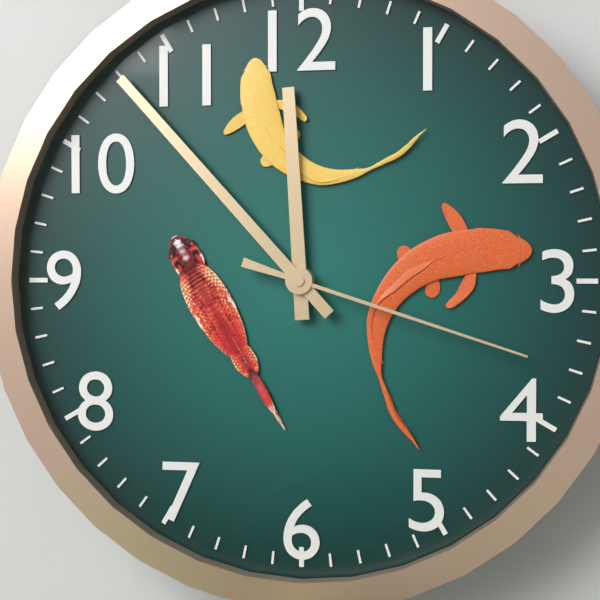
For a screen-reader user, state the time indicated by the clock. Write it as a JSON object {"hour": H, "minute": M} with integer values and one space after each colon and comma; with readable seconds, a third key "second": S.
{"hour": 11, "minute": 53, "second": 18}
